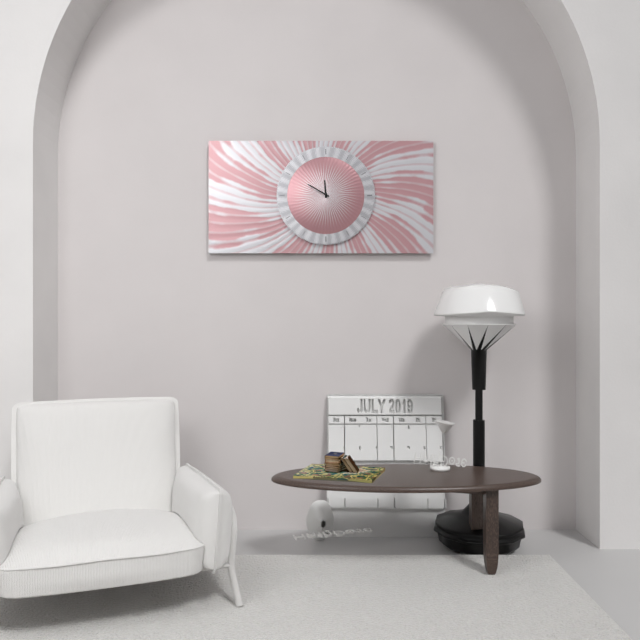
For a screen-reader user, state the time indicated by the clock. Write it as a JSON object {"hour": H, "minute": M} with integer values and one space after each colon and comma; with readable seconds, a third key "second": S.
{"hour": 11, "minute": 50}
